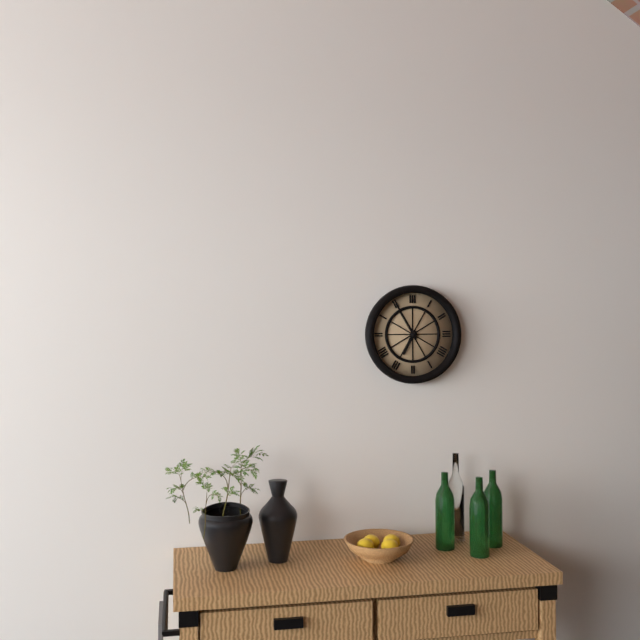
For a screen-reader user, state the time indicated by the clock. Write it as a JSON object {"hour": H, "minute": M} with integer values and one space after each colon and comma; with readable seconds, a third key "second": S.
{"hour": 6, "minute": 55}
